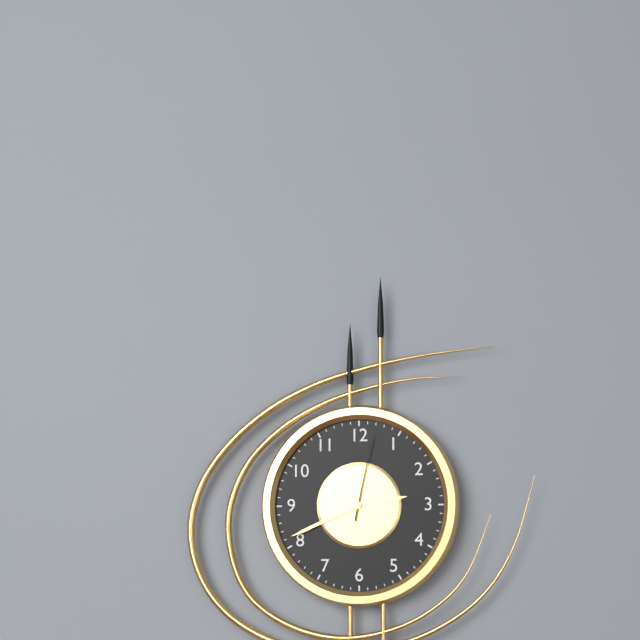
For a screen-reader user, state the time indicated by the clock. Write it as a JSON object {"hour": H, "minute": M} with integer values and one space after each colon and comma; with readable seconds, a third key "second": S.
{"hour": 2, "minute": 41, "second": 2}
